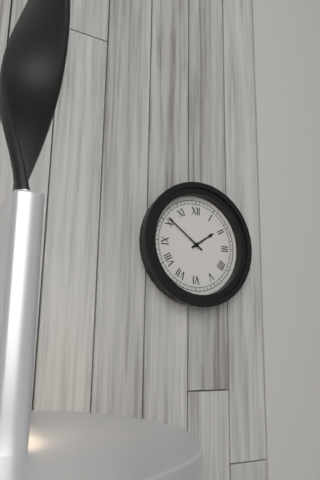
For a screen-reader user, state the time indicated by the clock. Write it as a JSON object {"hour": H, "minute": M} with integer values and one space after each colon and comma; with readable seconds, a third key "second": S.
{"hour": 1, "minute": 51}
